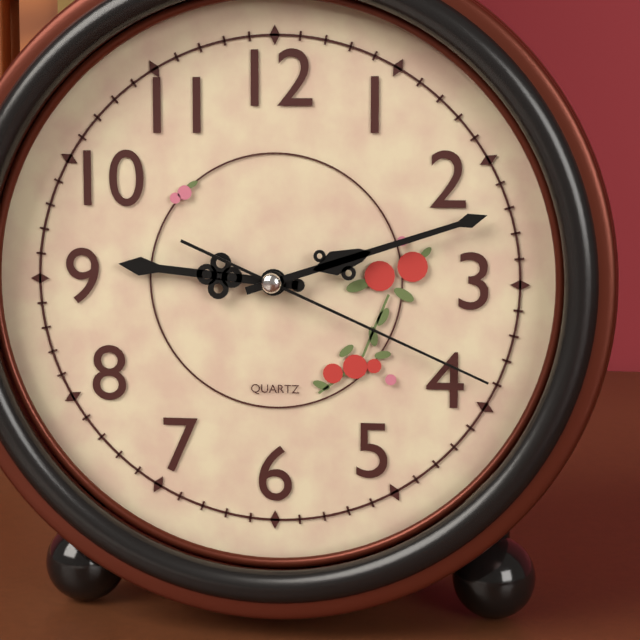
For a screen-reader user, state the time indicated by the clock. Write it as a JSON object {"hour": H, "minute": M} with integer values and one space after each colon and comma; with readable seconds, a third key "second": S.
{"hour": 9, "minute": 12, "second": 19}
